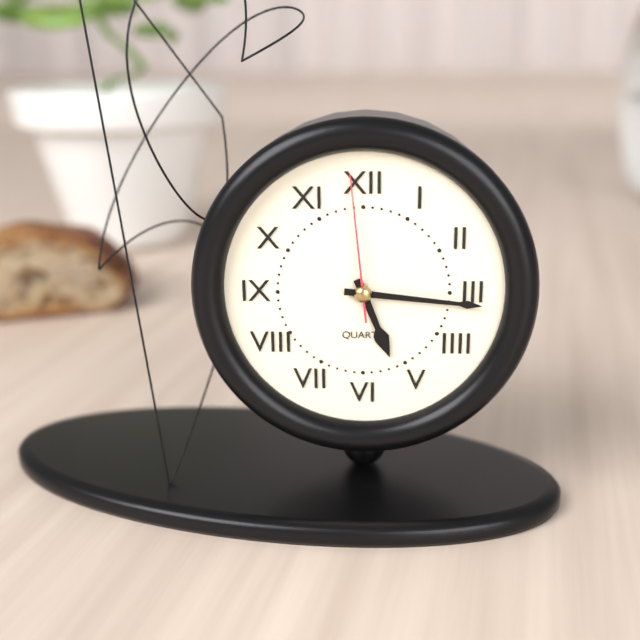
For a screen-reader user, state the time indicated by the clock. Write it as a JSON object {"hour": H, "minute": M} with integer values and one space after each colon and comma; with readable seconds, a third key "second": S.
{"hour": 5, "minute": 16, "second": 59}
